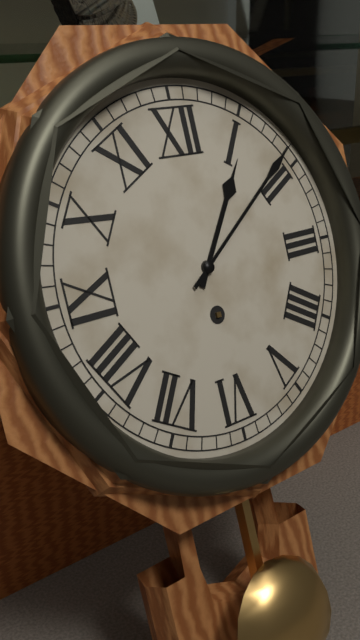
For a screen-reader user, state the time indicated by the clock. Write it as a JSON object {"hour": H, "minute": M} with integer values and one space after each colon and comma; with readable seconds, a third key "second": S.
{"hour": 1, "minute": 9}
